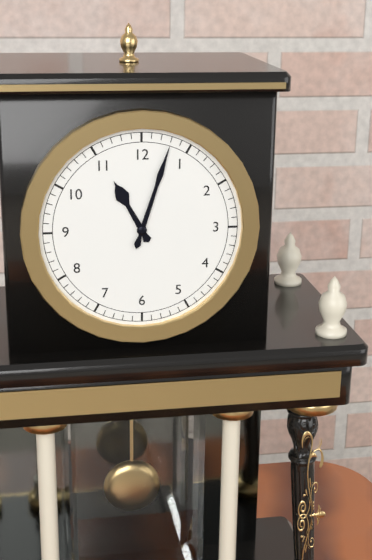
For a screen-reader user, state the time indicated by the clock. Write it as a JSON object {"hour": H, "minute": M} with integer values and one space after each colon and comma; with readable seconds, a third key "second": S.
{"hour": 11, "minute": 3}
